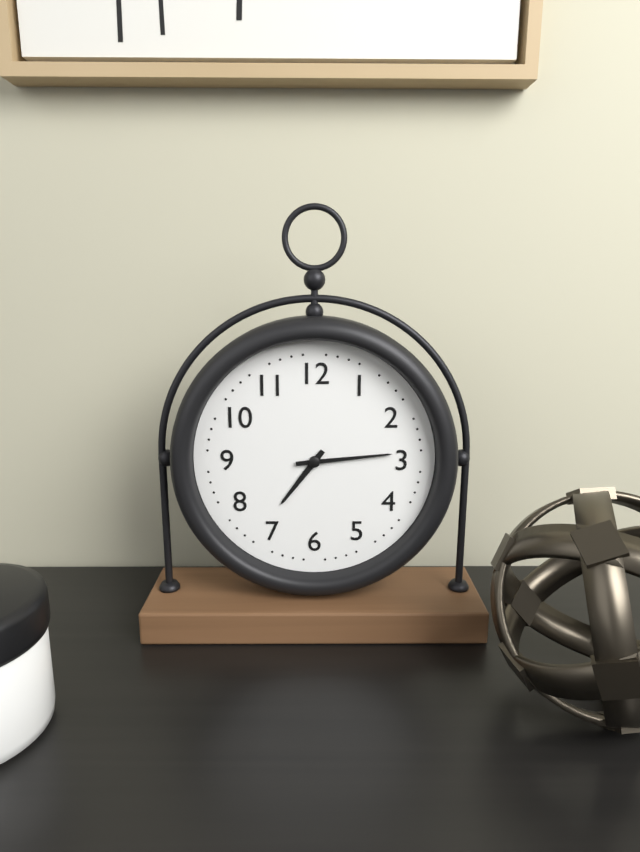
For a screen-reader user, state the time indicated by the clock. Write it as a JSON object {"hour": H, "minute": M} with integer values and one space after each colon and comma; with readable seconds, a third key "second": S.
{"hour": 7, "minute": 14}
